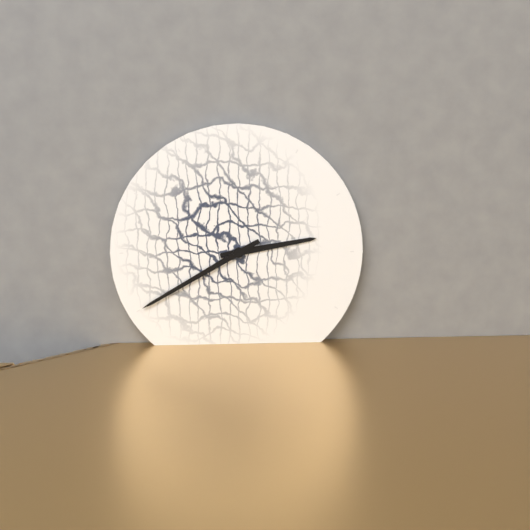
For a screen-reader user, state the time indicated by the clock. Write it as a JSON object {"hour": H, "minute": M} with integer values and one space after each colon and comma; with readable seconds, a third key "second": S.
{"hour": 2, "minute": 40}
